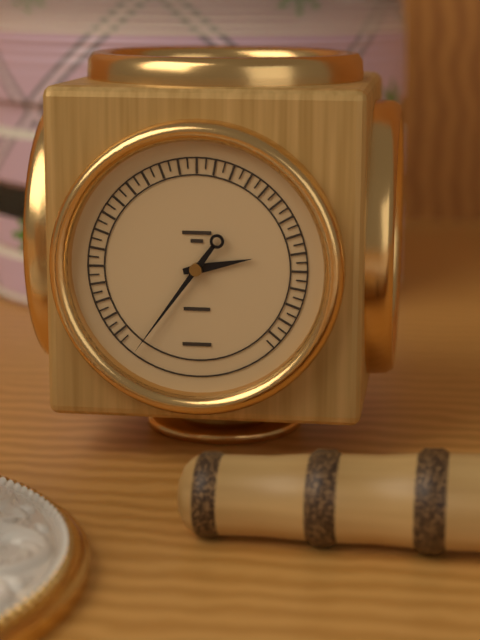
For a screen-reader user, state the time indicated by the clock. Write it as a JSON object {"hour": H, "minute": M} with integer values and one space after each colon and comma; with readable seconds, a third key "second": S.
{"hour": 2, "minute": 36}
